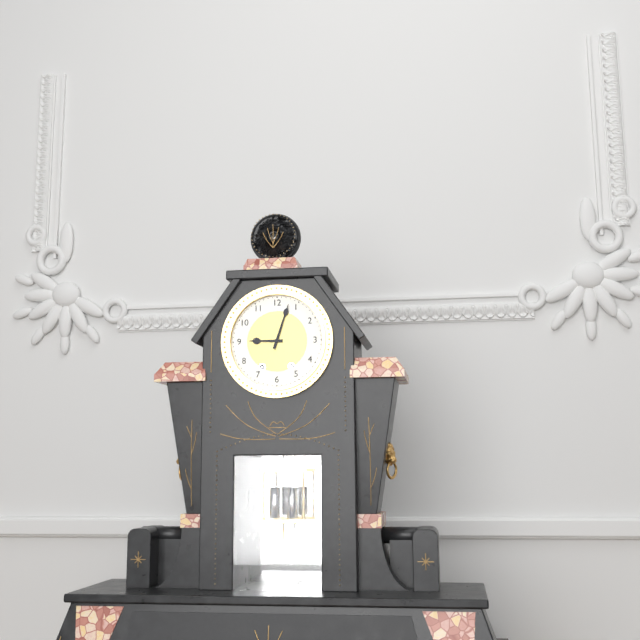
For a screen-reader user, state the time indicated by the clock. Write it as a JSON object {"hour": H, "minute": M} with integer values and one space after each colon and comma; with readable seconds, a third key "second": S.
{"hour": 9, "minute": 3}
